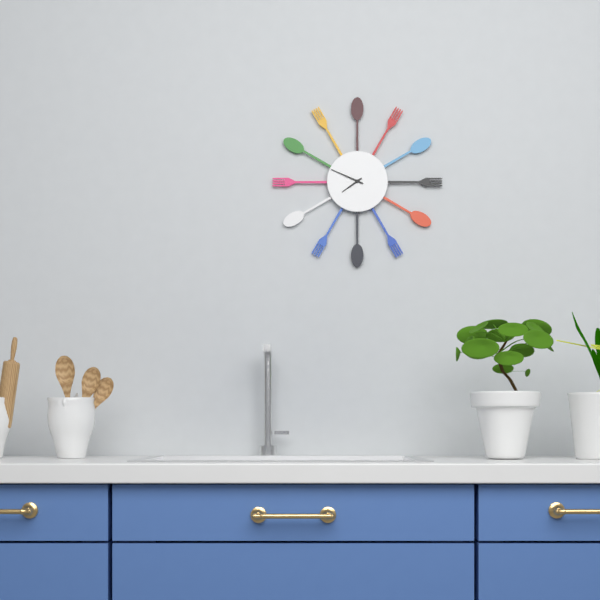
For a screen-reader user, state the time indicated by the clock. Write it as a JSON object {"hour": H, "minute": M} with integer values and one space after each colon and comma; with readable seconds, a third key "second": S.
{"hour": 7, "minute": 49}
